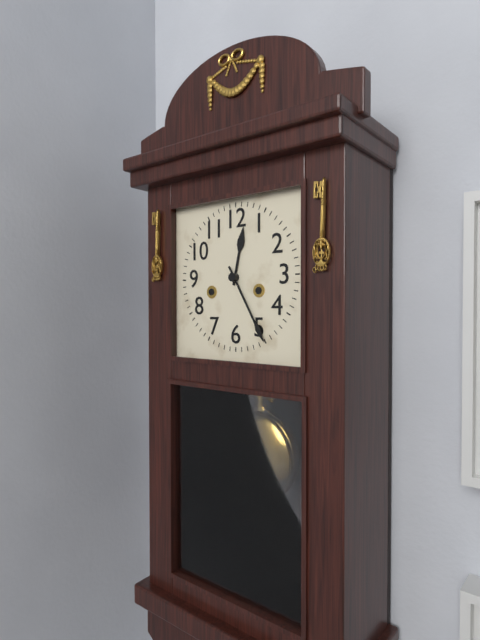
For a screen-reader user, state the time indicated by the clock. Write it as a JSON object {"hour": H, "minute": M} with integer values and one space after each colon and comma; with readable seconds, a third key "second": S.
{"hour": 12, "minute": 25}
